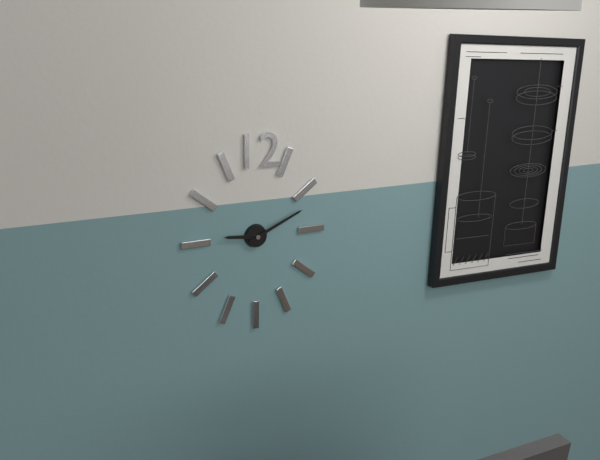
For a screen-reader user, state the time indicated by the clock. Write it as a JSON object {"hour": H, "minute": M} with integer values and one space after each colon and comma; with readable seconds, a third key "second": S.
{"hour": 9, "minute": 11}
